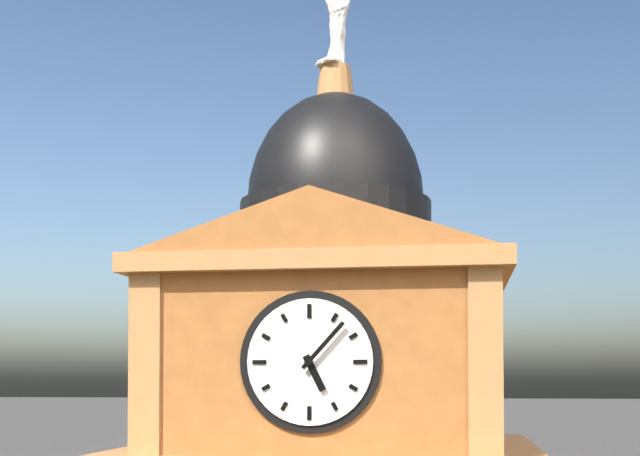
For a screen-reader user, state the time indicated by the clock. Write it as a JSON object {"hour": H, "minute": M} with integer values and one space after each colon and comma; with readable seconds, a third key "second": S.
{"hour": 5, "minute": 7}
